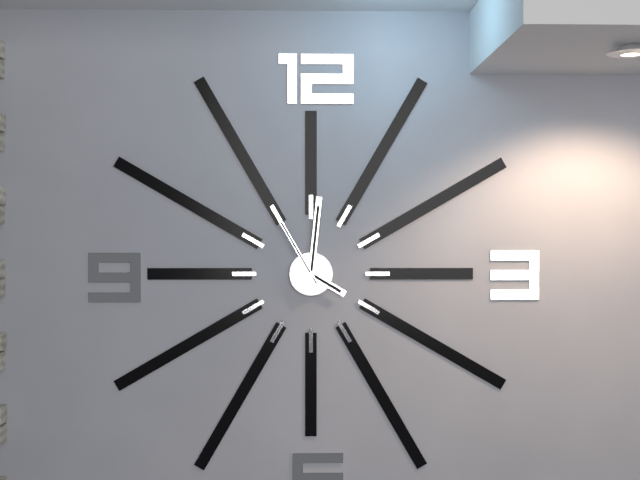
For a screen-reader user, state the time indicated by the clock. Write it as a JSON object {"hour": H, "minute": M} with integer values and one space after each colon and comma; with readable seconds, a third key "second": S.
{"hour": 4, "minute": 1, "second": 55}
